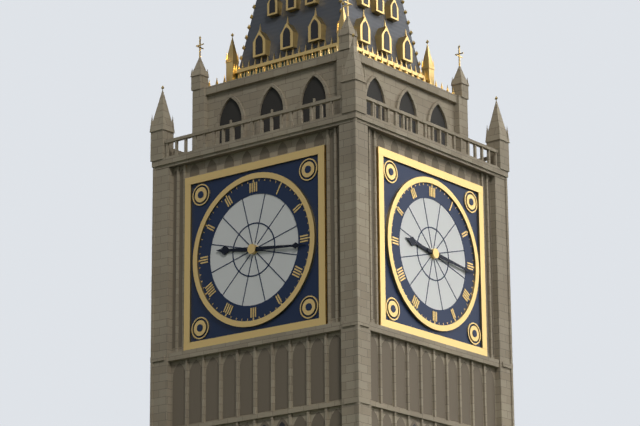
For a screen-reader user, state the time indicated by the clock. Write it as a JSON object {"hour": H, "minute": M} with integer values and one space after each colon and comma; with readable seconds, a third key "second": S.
{"hour": 9, "minute": 16}
